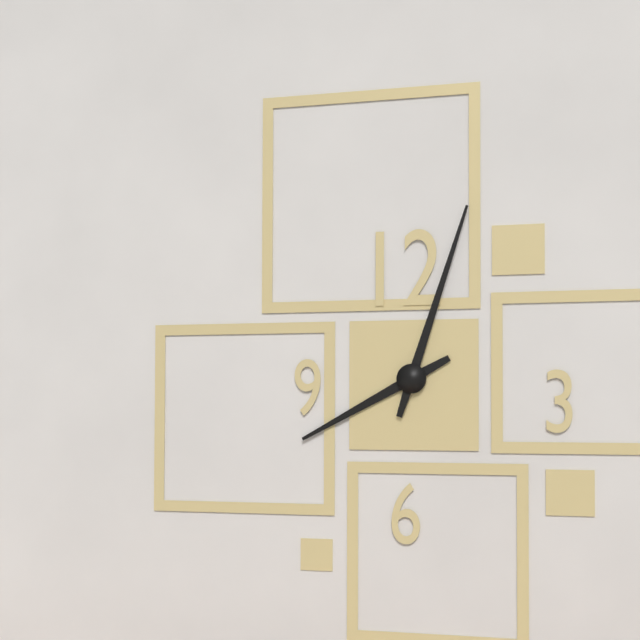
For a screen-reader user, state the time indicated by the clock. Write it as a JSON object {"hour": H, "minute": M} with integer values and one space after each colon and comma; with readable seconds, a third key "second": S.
{"hour": 8, "minute": 3}
